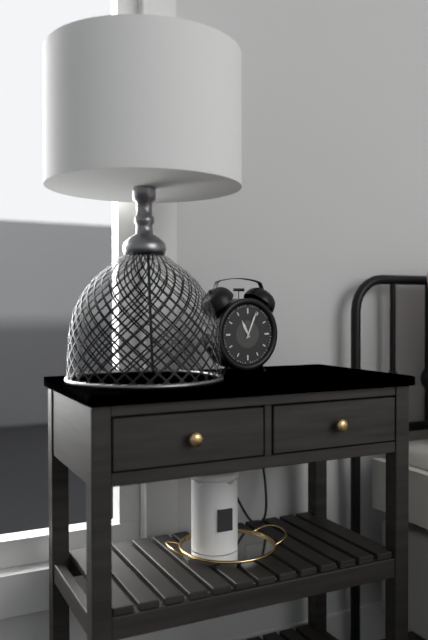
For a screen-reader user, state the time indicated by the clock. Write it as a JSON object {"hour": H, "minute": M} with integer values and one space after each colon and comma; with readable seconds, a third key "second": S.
{"hour": 11, "minute": 4}
